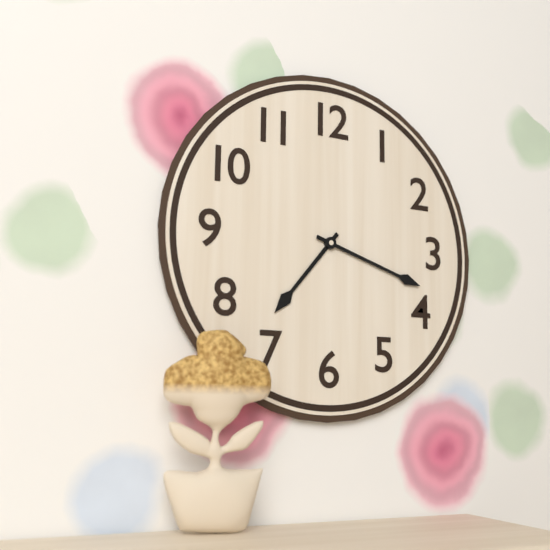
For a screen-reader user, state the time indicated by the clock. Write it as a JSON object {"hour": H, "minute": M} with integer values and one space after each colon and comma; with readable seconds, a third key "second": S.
{"hour": 7, "minute": 18}
